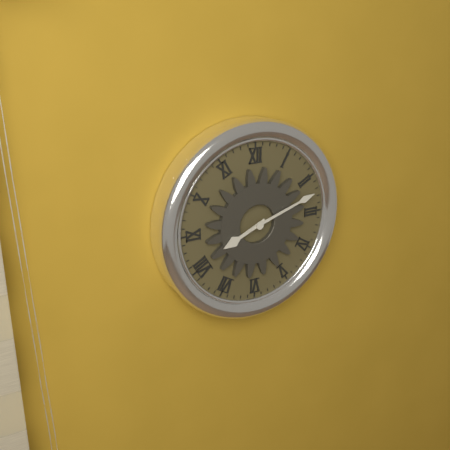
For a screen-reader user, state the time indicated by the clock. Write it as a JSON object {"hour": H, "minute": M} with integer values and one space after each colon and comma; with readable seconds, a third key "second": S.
{"hour": 8, "minute": 12}
